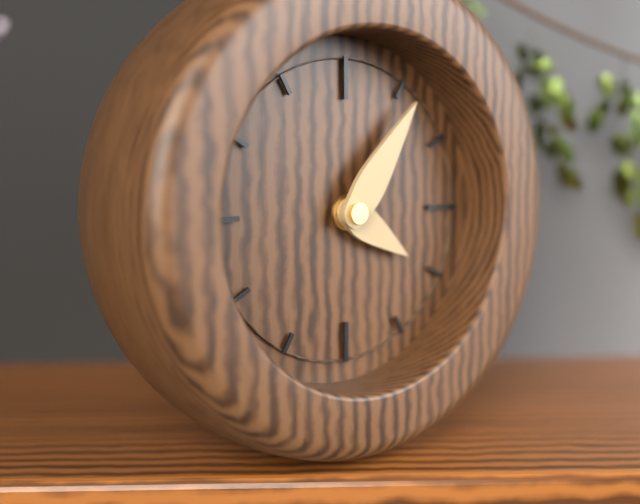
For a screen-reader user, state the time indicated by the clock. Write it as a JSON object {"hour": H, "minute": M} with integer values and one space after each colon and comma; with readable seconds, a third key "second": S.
{"hour": 4, "minute": 6}
